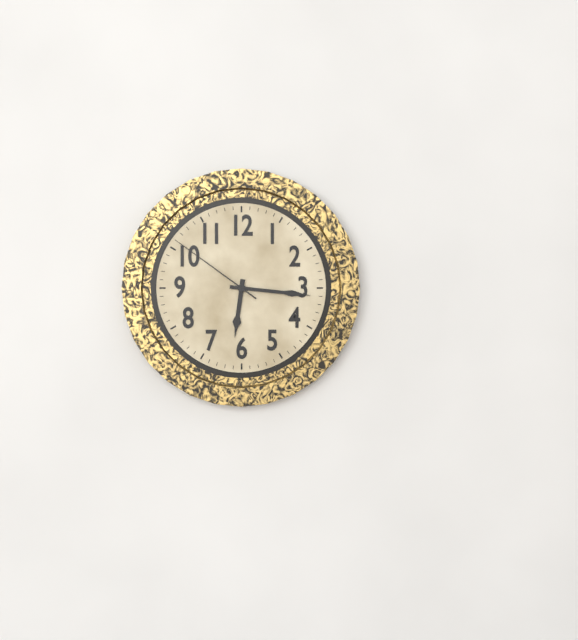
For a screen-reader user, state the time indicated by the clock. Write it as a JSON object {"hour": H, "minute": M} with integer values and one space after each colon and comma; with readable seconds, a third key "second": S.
{"hour": 6, "minute": 16, "second": 51}
